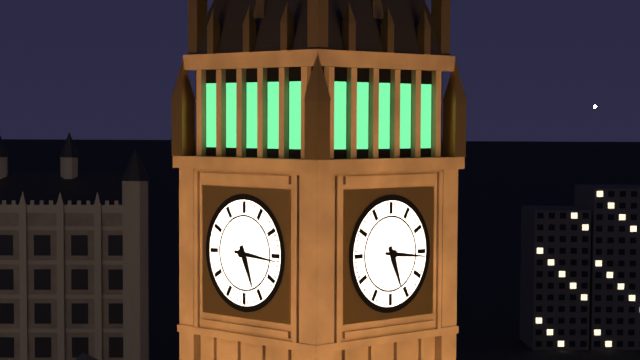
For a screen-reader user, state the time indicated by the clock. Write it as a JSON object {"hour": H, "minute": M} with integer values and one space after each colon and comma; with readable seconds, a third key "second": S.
{"hour": 5, "minute": 16}
